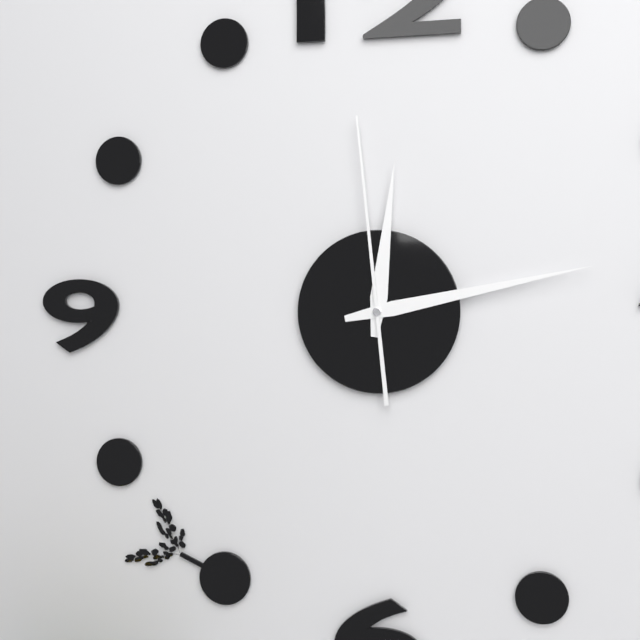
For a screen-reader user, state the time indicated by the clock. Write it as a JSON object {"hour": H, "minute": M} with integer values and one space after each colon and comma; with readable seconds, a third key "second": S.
{"hour": 12, "minute": 13, "second": 59}
